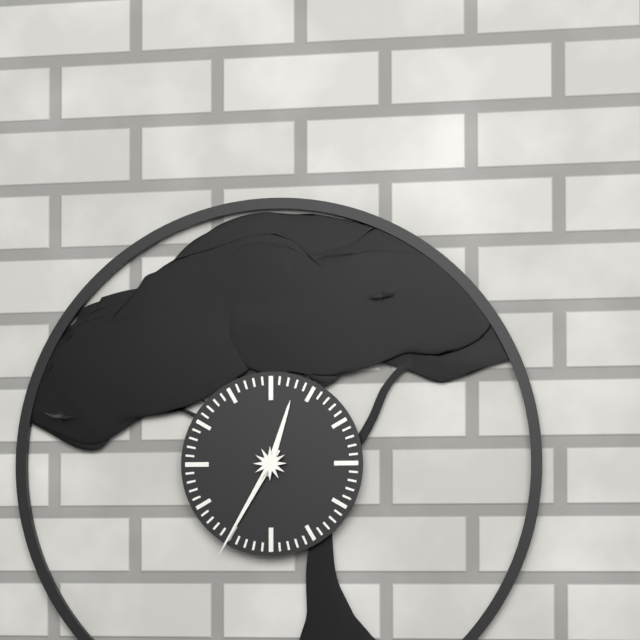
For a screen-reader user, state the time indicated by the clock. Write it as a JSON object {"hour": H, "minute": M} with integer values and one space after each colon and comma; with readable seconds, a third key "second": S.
{"hour": 12, "minute": 35}
